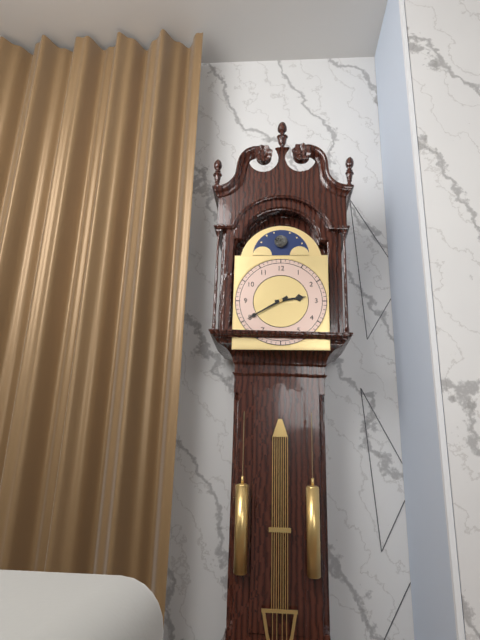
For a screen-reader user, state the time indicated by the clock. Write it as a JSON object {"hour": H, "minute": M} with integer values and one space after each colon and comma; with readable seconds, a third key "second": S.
{"hour": 2, "minute": 40}
